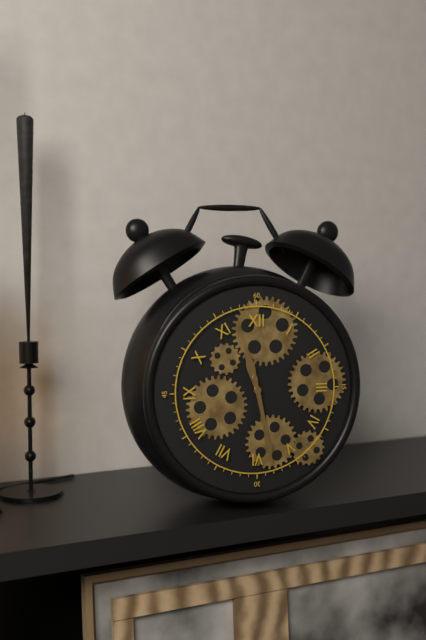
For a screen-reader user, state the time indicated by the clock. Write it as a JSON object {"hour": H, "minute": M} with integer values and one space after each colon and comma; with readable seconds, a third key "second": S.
{"hour": 11, "minute": 28}
